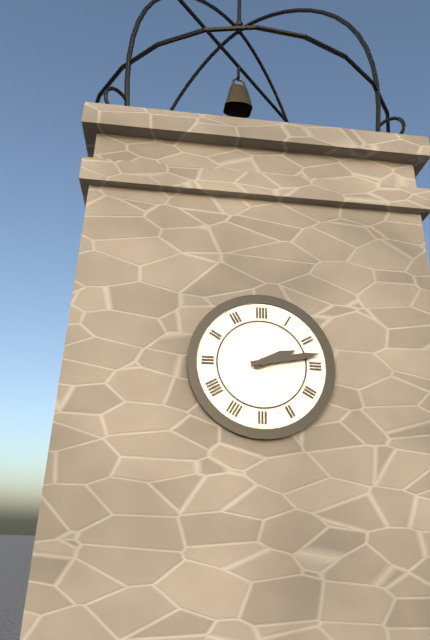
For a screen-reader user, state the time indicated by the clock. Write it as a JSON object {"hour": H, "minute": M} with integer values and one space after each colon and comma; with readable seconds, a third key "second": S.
{"hour": 2, "minute": 13}
